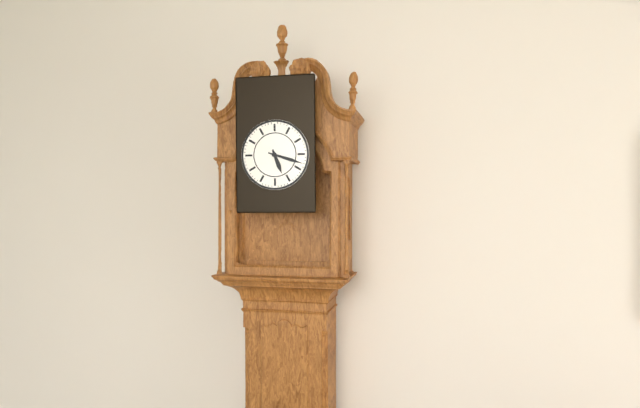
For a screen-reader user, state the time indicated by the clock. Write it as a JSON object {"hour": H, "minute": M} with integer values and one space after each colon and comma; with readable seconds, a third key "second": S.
{"hour": 5, "minute": 18}
